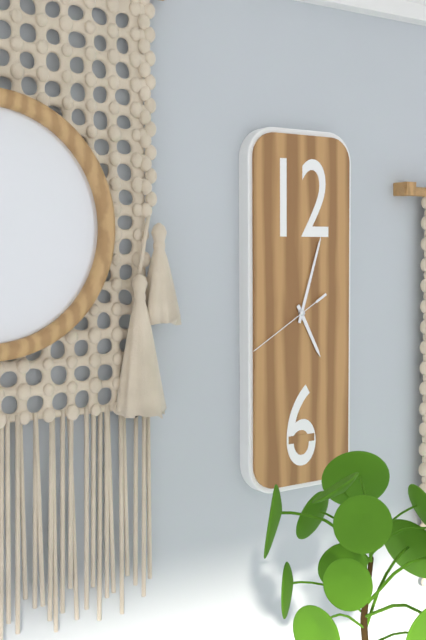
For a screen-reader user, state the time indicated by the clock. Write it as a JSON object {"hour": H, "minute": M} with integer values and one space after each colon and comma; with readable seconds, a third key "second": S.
{"hour": 5, "minute": 3, "second": 40}
